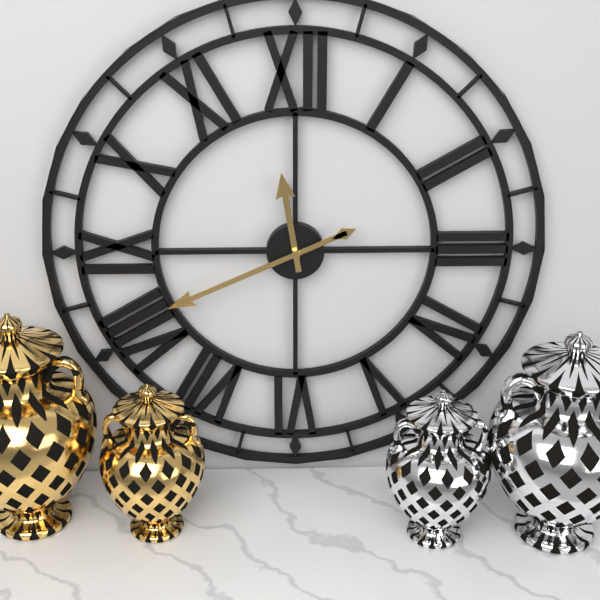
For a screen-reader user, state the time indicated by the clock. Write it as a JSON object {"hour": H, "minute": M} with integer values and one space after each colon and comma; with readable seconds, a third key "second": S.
{"hour": 11, "minute": 41}
